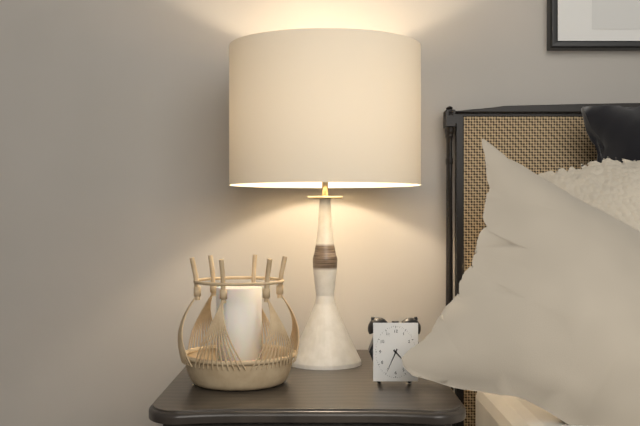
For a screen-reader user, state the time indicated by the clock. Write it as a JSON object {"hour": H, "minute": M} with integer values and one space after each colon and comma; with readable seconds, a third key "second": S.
{"hour": 4, "minute": 34}
